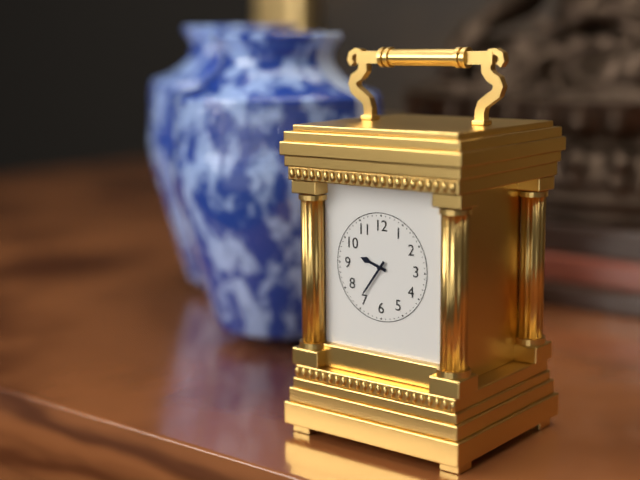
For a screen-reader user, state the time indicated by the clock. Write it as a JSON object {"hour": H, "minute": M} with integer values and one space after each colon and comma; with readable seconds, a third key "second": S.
{"hour": 9, "minute": 36}
